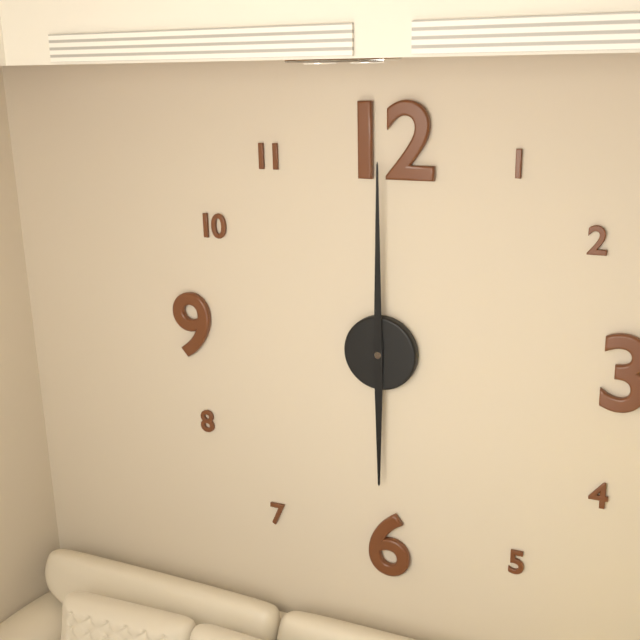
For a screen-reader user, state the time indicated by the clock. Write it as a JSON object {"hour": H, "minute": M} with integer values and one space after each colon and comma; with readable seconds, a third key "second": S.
{"hour": 6, "minute": 0}
